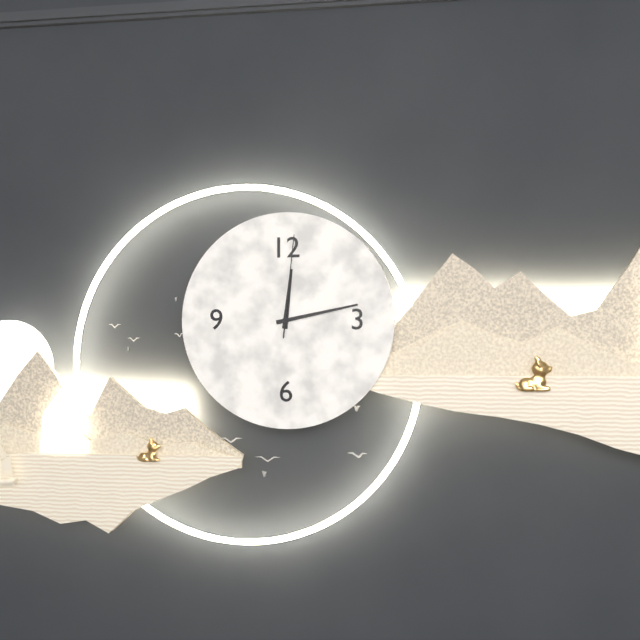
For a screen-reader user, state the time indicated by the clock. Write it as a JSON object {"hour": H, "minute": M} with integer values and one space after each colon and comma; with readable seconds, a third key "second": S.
{"hour": 12, "minute": 13, "second": 1}
